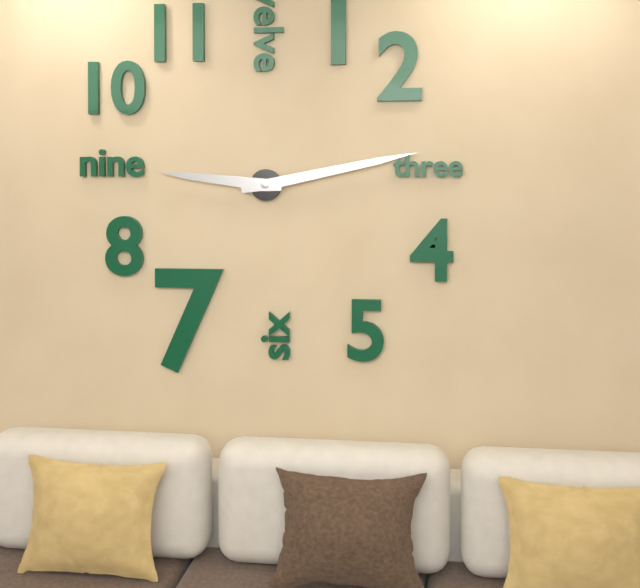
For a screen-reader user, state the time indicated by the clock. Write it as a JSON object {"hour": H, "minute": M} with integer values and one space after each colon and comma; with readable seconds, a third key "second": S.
{"hour": 9, "minute": 13}
